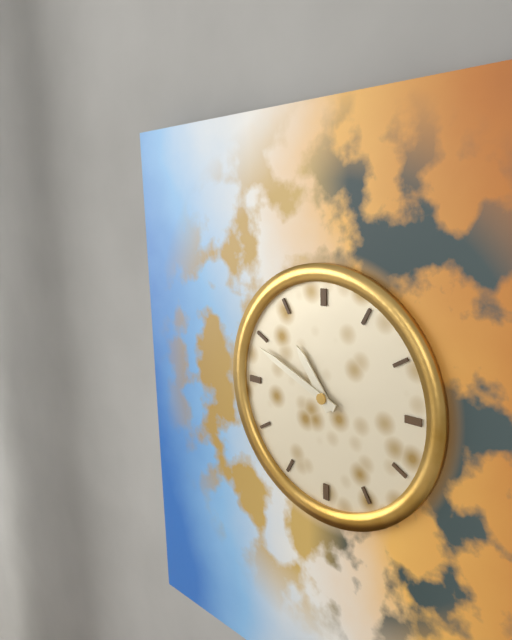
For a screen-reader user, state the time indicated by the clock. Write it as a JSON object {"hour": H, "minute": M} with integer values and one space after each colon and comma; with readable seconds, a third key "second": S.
{"hour": 10, "minute": 49}
